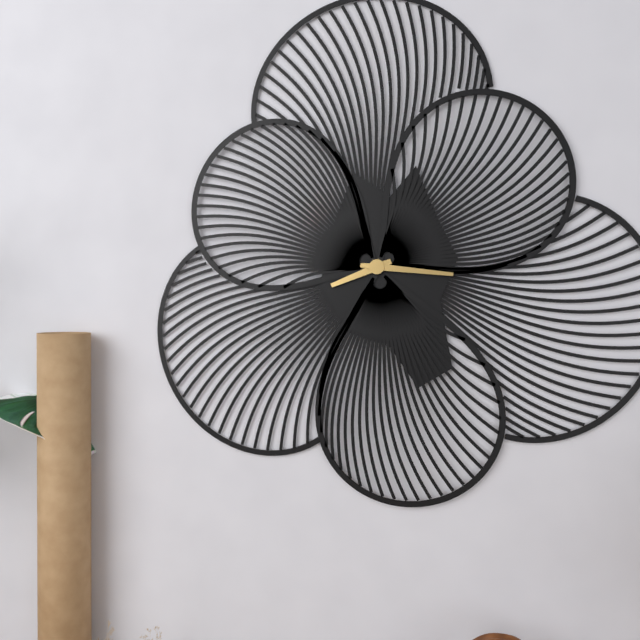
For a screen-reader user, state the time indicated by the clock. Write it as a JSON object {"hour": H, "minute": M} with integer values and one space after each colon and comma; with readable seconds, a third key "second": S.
{"hour": 8, "minute": 16}
